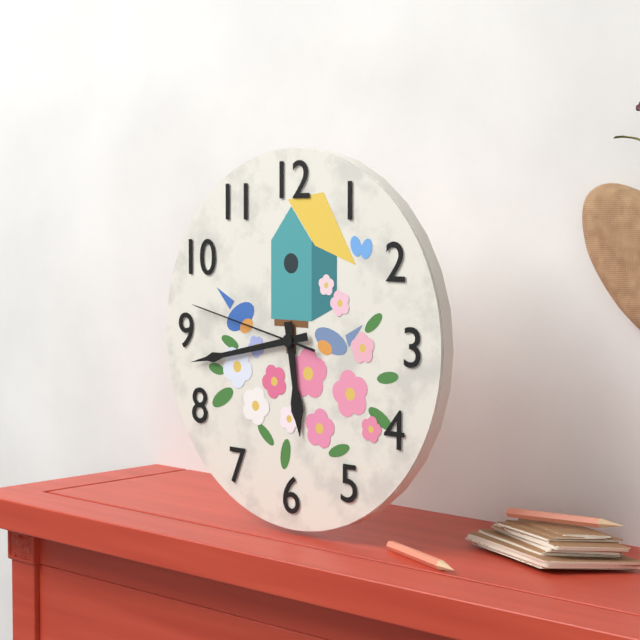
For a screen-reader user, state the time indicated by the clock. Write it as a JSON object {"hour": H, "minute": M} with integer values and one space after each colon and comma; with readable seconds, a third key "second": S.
{"hour": 5, "minute": 43, "second": 47}
